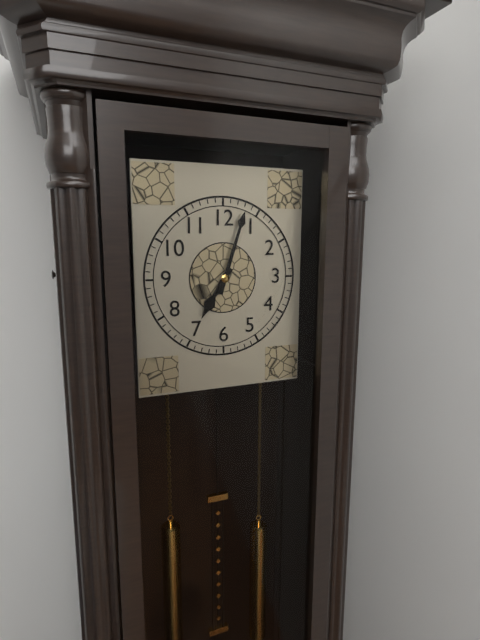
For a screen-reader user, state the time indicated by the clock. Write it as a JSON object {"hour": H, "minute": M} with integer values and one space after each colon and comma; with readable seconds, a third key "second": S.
{"hour": 7, "minute": 3}
